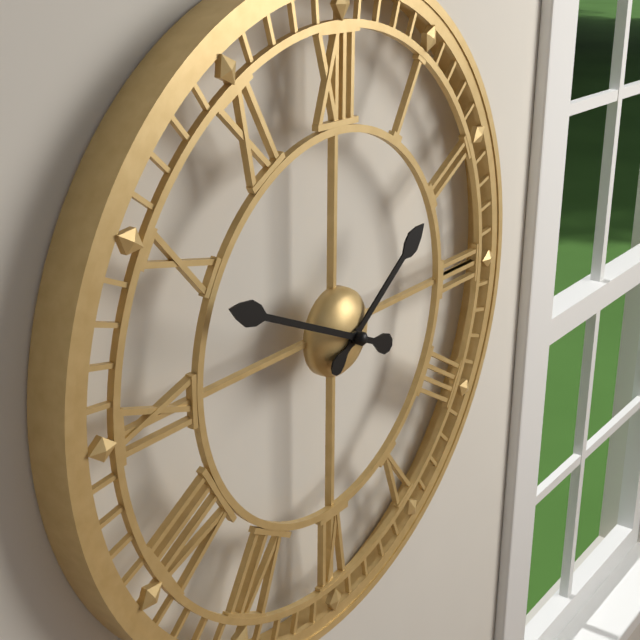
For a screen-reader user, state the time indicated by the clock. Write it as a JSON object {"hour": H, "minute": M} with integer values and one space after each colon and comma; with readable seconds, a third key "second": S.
{"hour": 1, "minute": 49}
